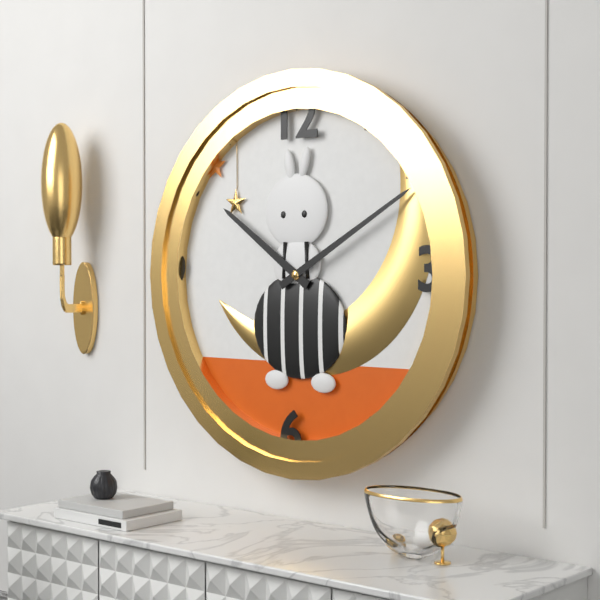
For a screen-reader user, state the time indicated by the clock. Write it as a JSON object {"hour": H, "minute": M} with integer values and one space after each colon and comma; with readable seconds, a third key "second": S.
{"hour": 10, "minute": 10}
